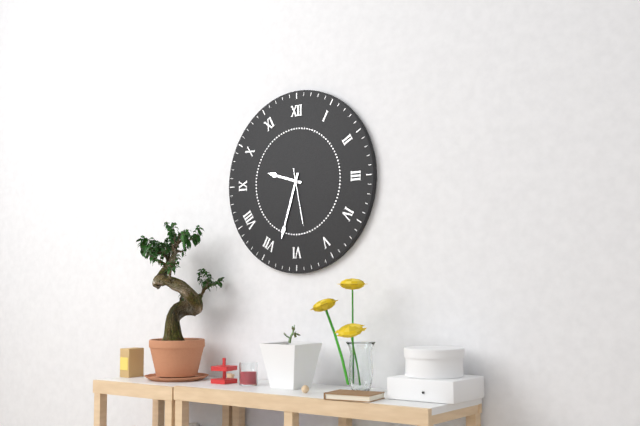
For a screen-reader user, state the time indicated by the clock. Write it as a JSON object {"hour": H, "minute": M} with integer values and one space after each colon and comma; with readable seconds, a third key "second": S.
{"hour": 9, "minute": 33, "second": 28}
